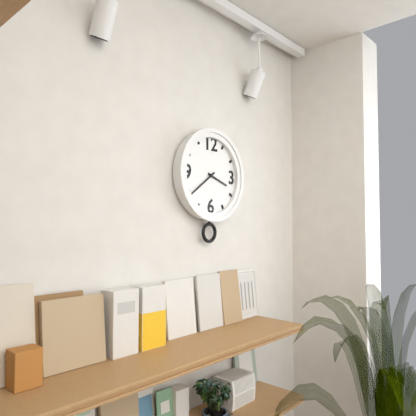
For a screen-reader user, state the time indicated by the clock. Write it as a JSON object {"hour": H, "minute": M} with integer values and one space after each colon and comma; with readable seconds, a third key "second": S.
{"hour": 3, "minute": 39}
